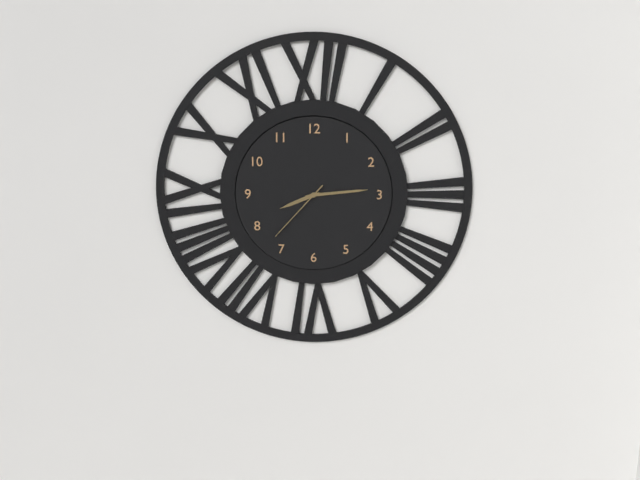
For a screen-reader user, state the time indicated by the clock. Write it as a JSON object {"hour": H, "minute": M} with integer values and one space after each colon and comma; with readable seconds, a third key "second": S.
{"hour": 8, "minute": 14, "second": 37}
